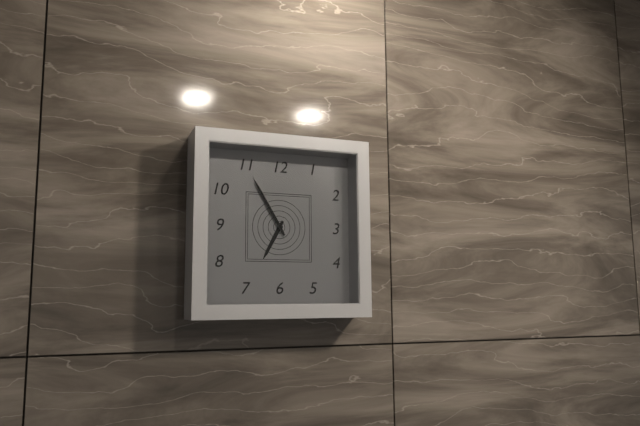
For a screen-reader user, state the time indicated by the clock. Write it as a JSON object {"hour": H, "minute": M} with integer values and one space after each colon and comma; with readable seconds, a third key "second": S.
{"hour": 6, "minute": 55}
